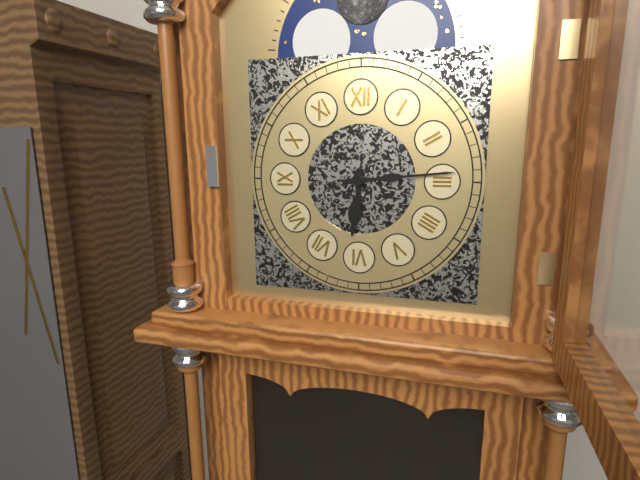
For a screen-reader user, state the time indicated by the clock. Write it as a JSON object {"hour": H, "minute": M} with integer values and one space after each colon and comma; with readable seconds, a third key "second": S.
{"hour": 6, "minute": 14}
